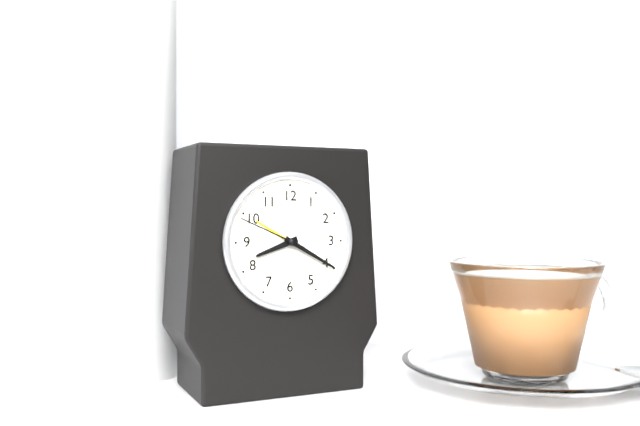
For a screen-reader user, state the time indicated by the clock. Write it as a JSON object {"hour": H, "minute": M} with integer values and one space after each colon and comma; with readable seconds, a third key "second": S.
{"hour": 8, "minute": 20, "second": 49}
